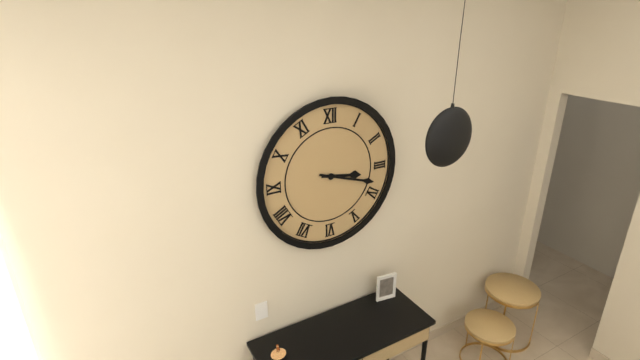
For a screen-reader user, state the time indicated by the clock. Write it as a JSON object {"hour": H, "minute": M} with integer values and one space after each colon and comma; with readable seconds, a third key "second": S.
{"hour": 3, "minute": 18}
